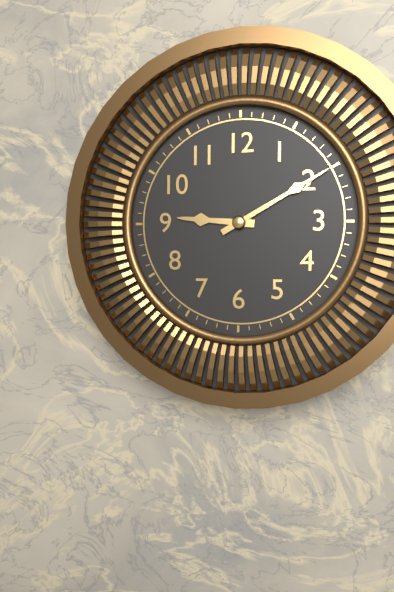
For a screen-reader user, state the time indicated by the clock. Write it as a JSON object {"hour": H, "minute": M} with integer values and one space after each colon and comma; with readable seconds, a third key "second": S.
{"hour": 9, "minute": 10}
